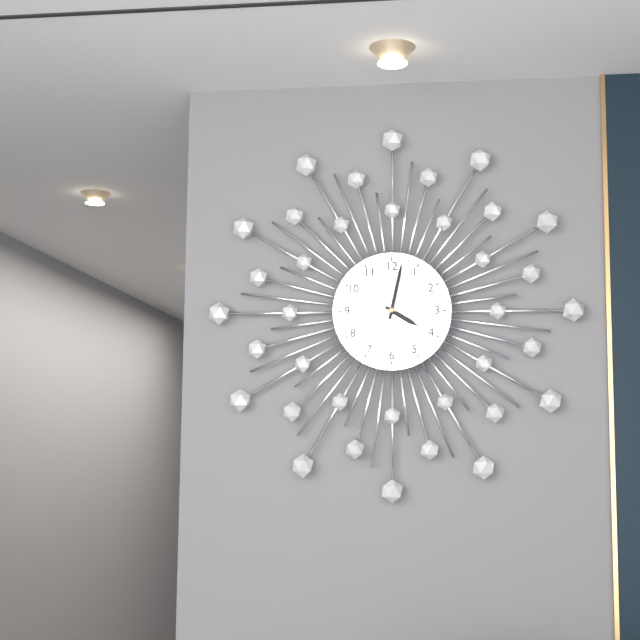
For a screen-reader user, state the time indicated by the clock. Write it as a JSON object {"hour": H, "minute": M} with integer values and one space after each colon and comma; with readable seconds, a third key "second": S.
{"hour": 4, "minute": 2, "second": 46}
